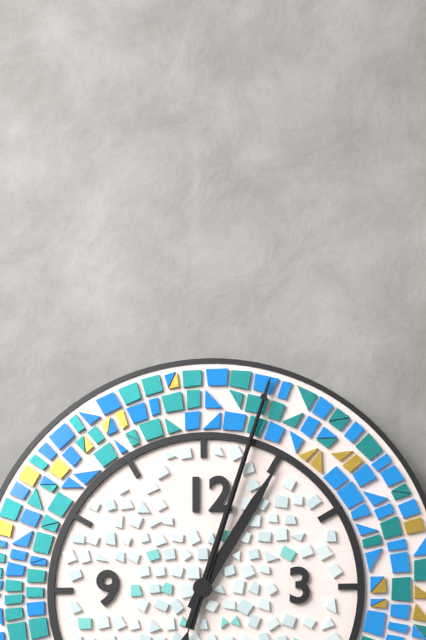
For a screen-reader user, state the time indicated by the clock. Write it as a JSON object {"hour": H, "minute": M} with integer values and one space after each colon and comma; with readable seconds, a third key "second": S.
{"hour": 1, "minute": 3, "second": 3}
